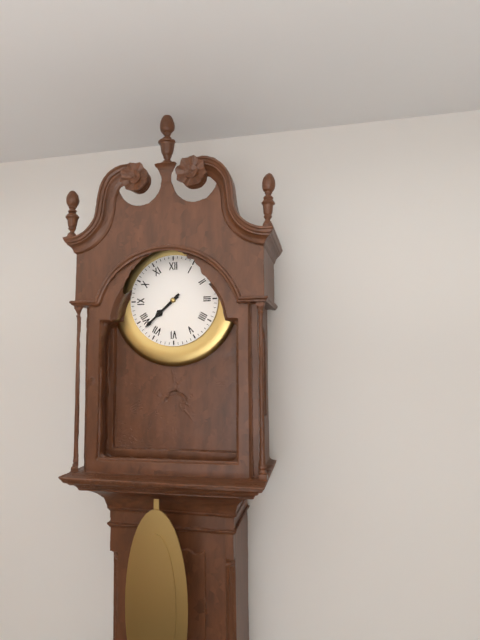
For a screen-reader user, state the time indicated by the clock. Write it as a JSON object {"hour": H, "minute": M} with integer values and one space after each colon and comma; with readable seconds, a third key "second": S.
{"hour": 7, "minute": 38}
